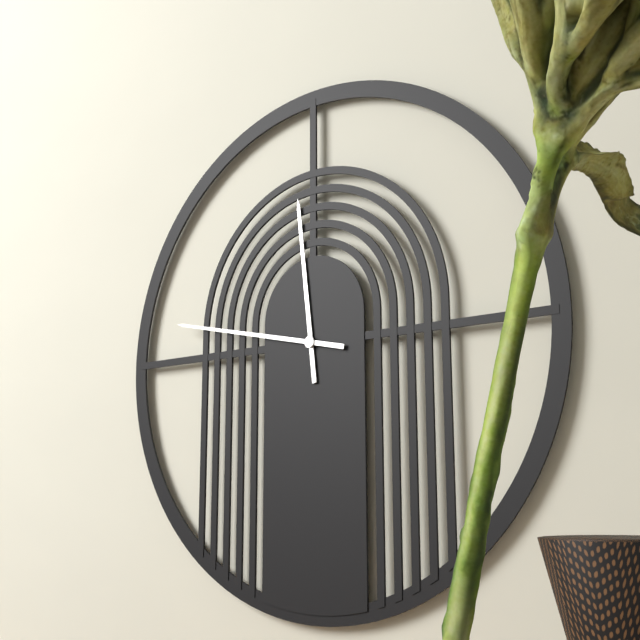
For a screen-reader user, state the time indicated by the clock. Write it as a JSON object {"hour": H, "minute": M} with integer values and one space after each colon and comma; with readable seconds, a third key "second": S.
{"hour": 11, "minute": 47}
